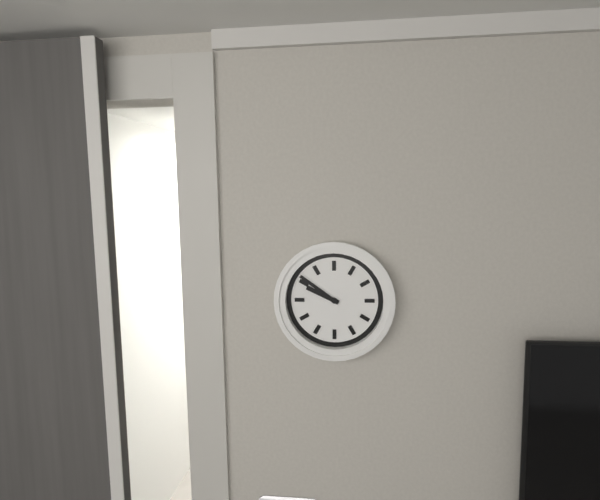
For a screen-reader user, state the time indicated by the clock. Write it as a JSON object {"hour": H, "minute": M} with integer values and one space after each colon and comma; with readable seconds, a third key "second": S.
{"hour": 9, "minute": 51}
